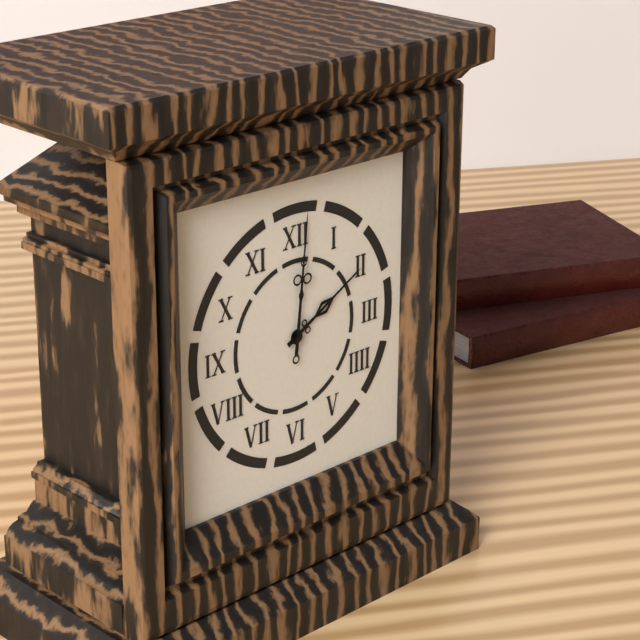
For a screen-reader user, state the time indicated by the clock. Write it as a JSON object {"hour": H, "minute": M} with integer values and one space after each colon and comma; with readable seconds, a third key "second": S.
{"hour": 2, "minute": 1}
